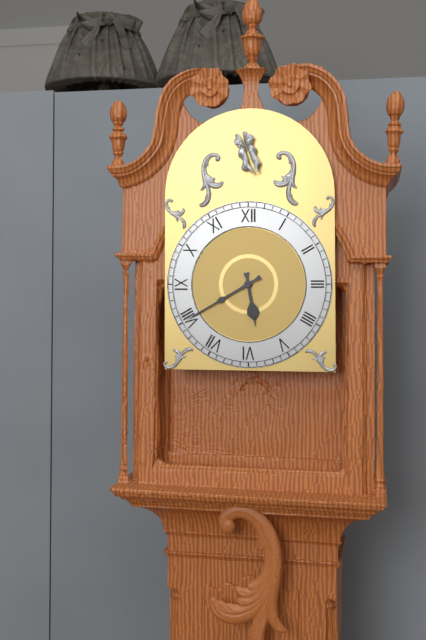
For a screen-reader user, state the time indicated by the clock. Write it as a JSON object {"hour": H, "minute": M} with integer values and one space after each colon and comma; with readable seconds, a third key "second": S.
{"hour": 5, "minute": 40}
